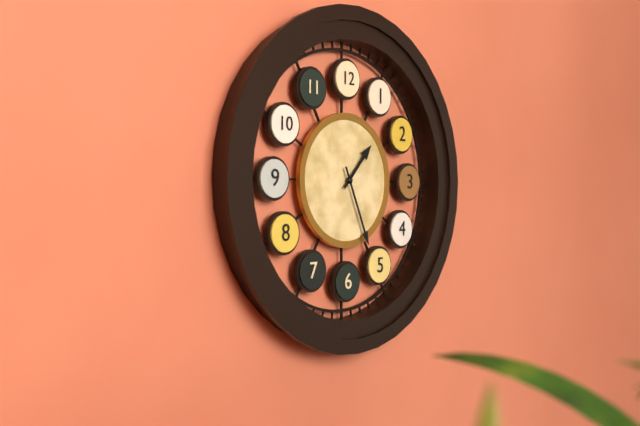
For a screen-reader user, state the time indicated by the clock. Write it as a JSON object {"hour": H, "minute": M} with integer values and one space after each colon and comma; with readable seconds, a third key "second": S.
{"hour": 1, "minute": 26}
